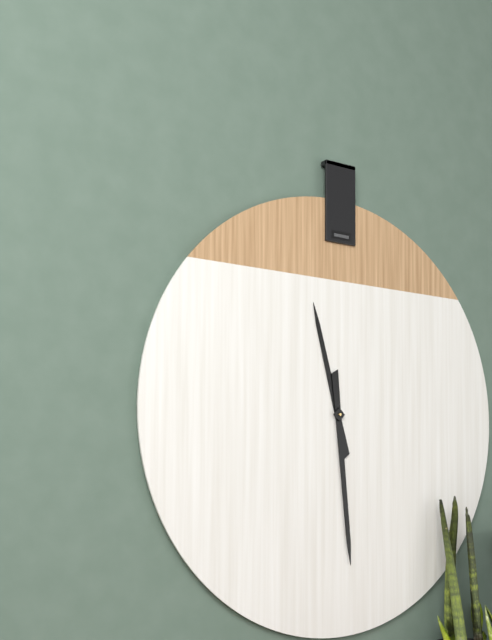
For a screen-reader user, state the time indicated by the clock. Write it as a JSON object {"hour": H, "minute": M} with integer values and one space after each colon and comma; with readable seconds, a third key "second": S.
{"hour": 11, "minute": 29}
